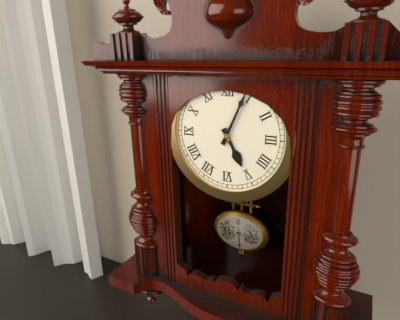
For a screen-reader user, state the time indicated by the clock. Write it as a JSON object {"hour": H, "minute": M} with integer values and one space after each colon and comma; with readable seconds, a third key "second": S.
{"hour": 5, "minute": 4}
